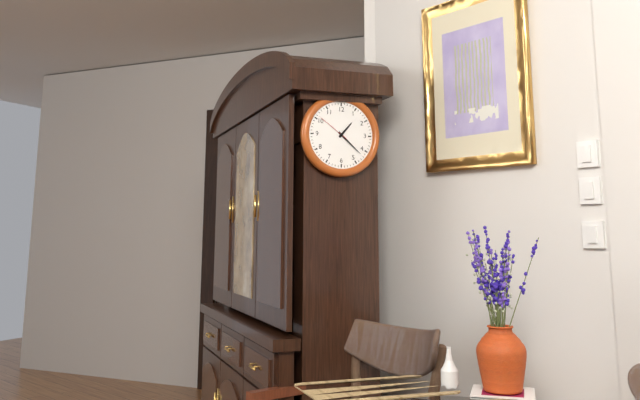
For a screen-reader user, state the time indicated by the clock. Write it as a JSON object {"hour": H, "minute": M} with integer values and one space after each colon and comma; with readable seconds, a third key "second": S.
{"hour": 1, "minute": 22}
